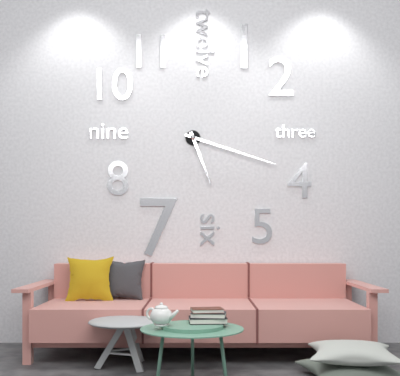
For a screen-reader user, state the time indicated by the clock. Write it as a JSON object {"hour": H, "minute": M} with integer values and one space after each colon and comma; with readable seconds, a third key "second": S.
{"hour": 5, "minute": 18}
